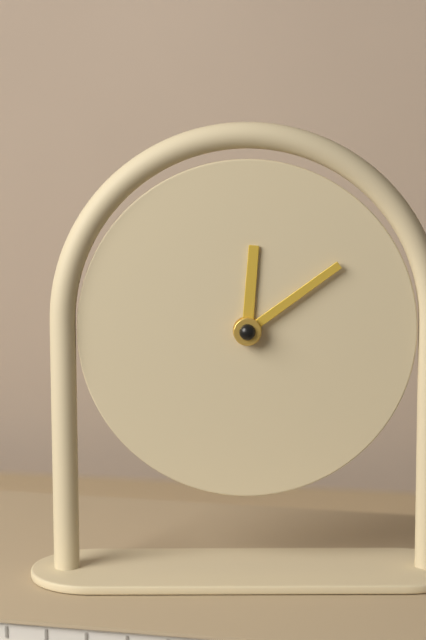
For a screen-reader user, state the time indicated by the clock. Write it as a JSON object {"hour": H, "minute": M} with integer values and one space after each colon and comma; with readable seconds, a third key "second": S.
{"hour": 12, "minute": 9}
